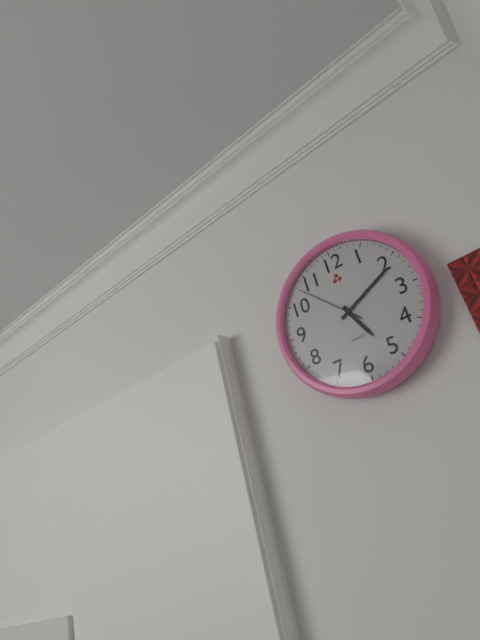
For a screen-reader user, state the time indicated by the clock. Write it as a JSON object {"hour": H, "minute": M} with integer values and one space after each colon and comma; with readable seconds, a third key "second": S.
{"hour": 5, "minute": 11, "second": 53}
